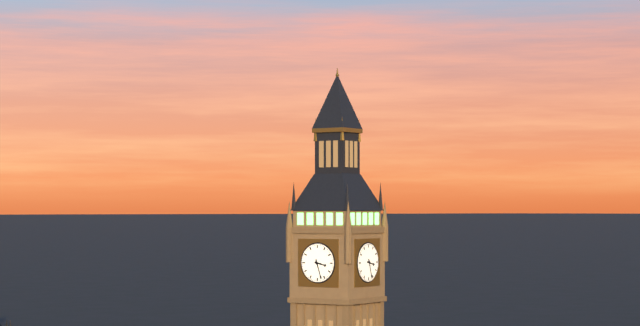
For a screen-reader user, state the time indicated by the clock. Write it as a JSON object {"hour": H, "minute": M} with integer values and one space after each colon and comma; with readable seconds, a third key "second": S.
{"hour": 3, "minute": 27}
